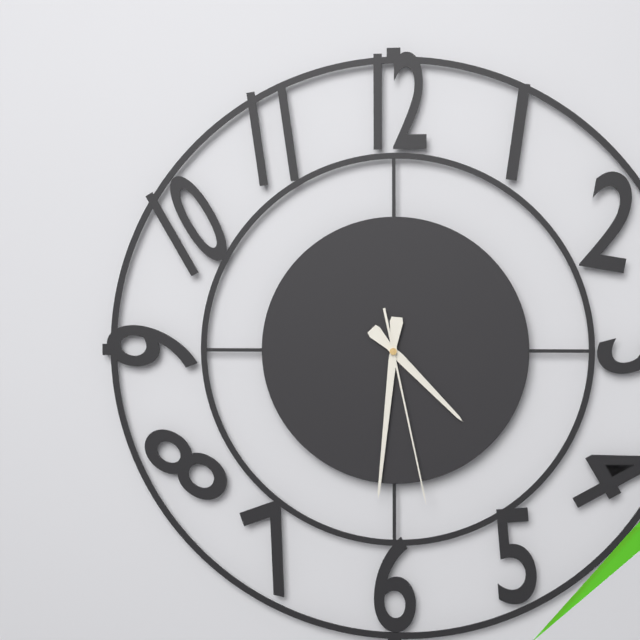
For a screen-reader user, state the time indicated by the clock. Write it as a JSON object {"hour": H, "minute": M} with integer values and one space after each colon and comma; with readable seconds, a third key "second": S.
{"hour": 4, "minute": 31, "second": 28}
